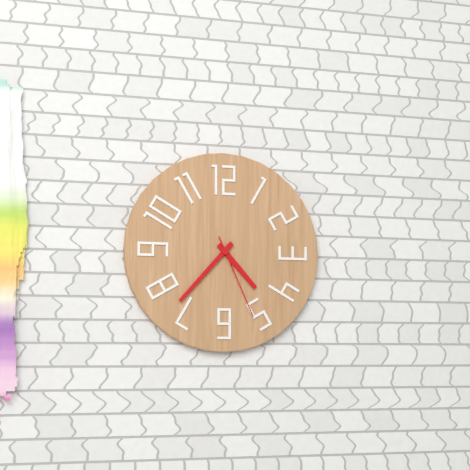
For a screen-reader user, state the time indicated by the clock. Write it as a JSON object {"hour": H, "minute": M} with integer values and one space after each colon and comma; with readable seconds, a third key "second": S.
{"hour": 4, "minute": 37, "second": 26}
